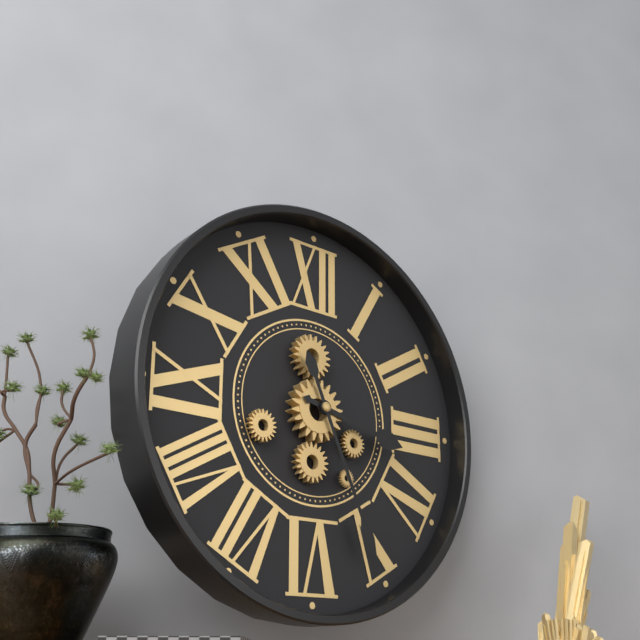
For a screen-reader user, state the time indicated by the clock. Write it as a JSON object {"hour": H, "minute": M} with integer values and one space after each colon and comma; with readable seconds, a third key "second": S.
{"hour": 3, "minute": 26}
